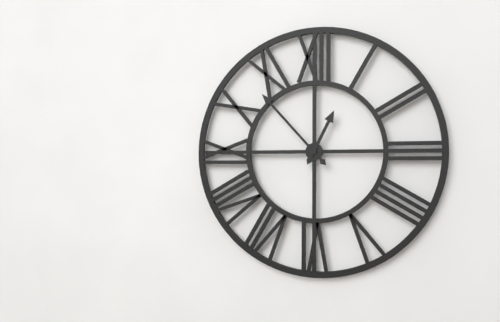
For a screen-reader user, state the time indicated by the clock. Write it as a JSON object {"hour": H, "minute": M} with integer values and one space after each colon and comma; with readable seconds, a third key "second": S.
{"hour": 12, "minute": 53}
